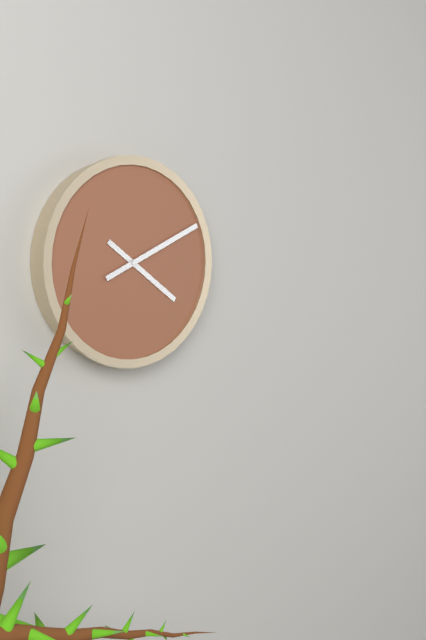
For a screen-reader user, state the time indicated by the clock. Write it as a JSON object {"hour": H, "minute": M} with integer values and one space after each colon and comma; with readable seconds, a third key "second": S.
{"hour": 4, "minute": 11}
